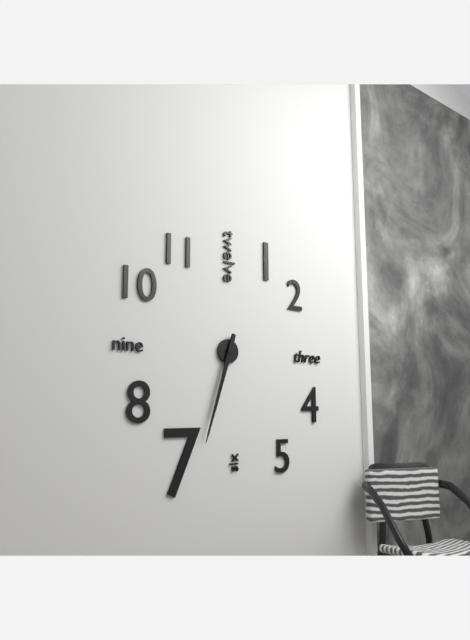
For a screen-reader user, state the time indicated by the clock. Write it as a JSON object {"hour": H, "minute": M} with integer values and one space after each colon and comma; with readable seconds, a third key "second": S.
{"hour": 6, "minute": 33}
